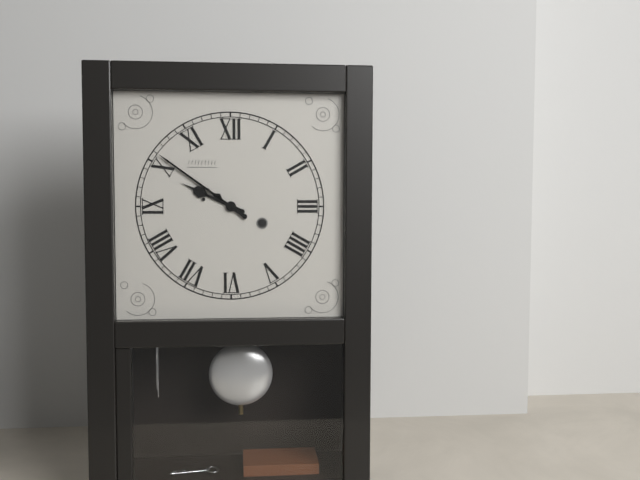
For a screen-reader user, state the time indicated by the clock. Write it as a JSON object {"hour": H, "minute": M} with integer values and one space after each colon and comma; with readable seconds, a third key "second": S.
{"hour": 9, "minute": 51}
